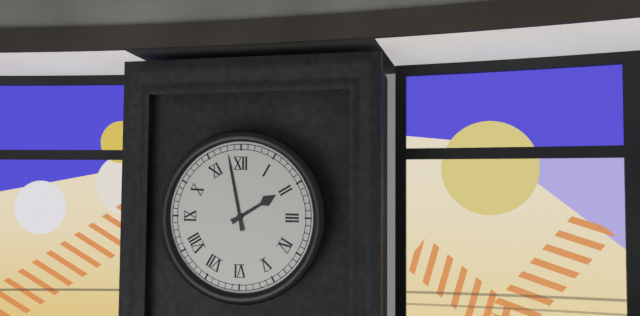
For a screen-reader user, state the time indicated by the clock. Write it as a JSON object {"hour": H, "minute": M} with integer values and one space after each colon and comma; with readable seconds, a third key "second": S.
{"hour": 1, "minute": 58}
